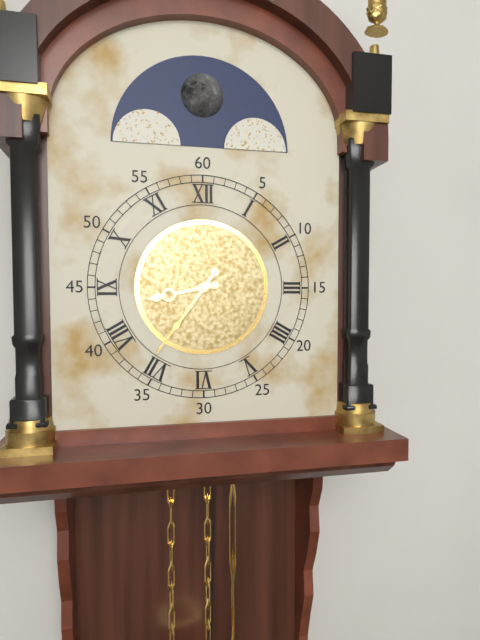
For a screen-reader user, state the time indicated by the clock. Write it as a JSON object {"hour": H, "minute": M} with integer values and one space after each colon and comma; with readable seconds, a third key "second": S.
{"hour": 8, "minute": 36}
